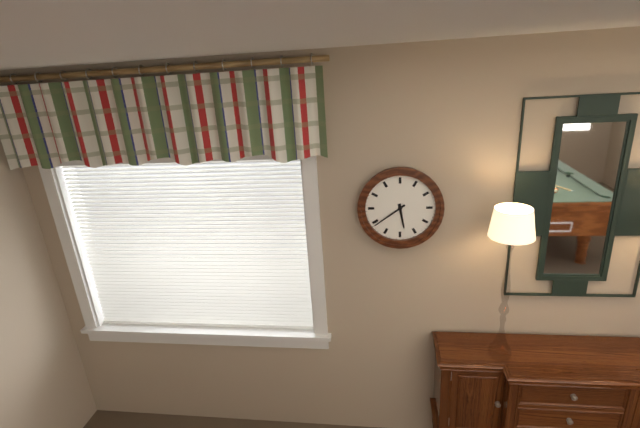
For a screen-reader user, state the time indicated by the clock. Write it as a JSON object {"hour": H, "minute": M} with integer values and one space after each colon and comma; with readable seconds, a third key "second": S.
{"hour": 5, "minute": 39}
